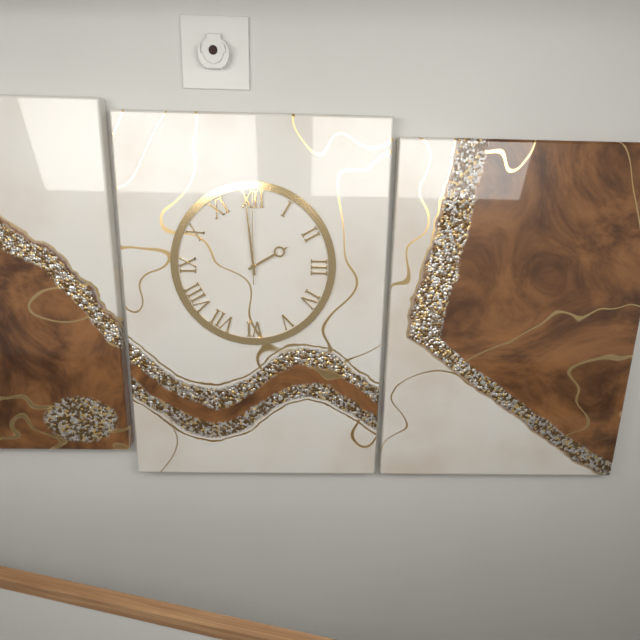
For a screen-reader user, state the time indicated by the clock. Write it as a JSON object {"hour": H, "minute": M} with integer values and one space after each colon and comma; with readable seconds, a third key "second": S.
{"hour": 1, "minute": 59, "second": 0}
